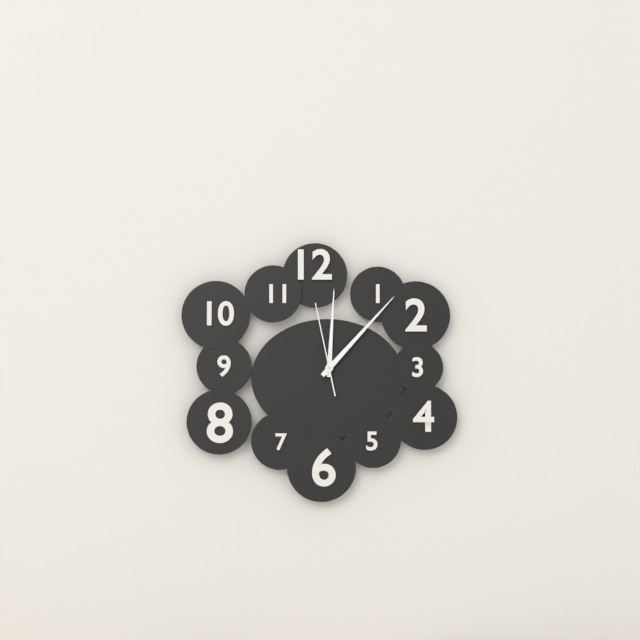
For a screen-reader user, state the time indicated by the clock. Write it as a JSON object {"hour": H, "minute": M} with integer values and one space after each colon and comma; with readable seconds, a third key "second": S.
{"hour": 12, "minute": 7, "second": 58}
